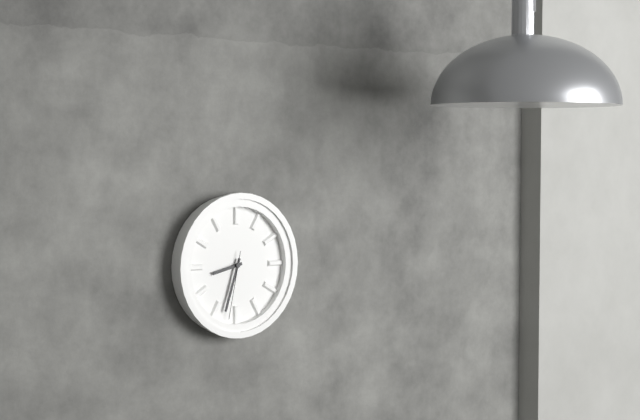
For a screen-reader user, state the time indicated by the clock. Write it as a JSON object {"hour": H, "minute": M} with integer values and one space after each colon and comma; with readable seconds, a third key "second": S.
{"hour": 8, "minute": 33, "second": 32}
